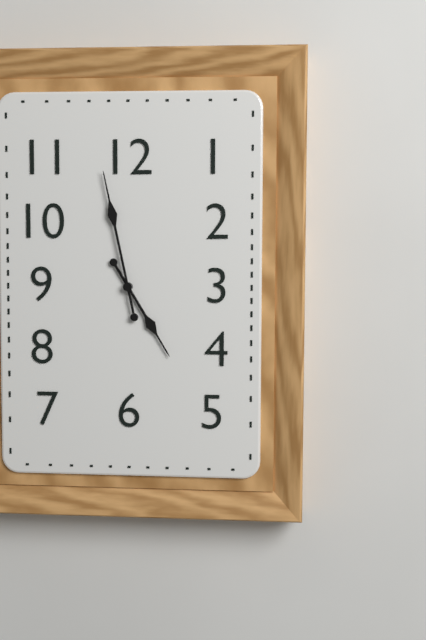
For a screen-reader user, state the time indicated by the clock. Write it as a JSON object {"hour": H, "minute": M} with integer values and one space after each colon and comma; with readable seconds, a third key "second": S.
{"hour": 4, "minute": 58}
